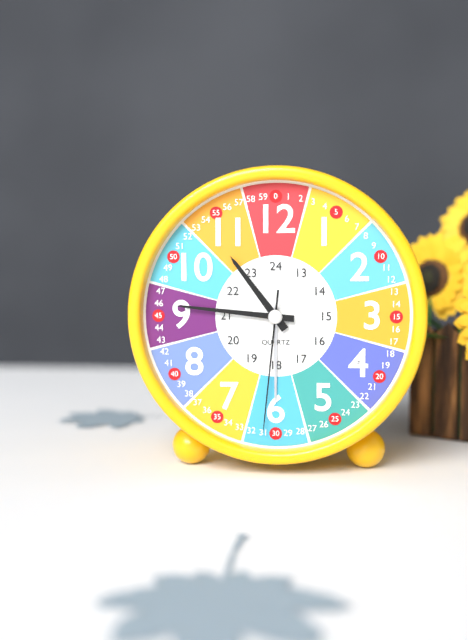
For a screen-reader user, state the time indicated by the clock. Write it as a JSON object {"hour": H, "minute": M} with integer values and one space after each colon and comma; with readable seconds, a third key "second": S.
{"hour": 10, "minute": 46, "second": 31}
